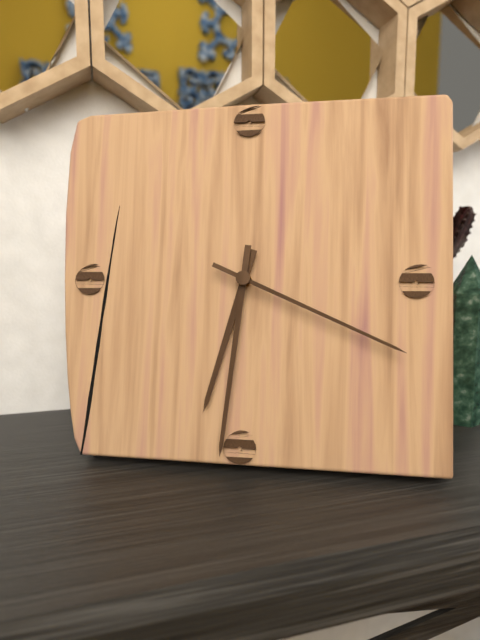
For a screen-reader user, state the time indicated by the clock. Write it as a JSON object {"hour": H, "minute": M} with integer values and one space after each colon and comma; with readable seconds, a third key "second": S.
{"hour": 6, "minute": 31, "second": 19}
